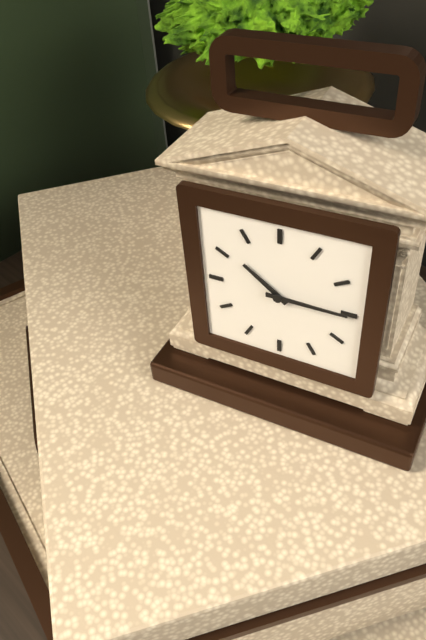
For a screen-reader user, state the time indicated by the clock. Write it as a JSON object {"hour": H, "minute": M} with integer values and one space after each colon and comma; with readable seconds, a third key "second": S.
{"hour": 10, "minute": 15}
